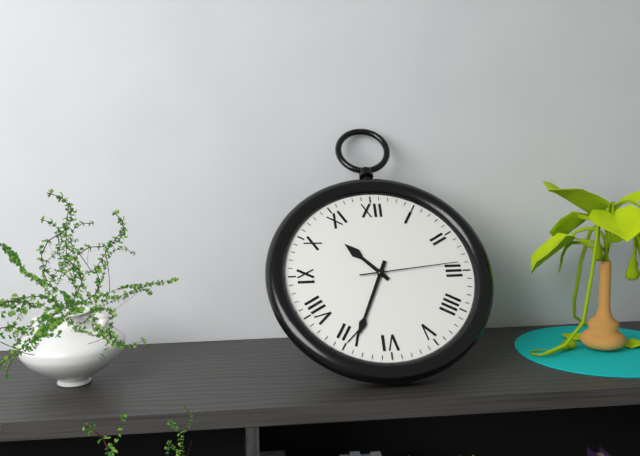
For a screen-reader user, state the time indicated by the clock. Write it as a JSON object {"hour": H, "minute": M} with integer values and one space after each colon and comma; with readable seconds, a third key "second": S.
{"hour": 10, "minute": 34, "second": 14}
